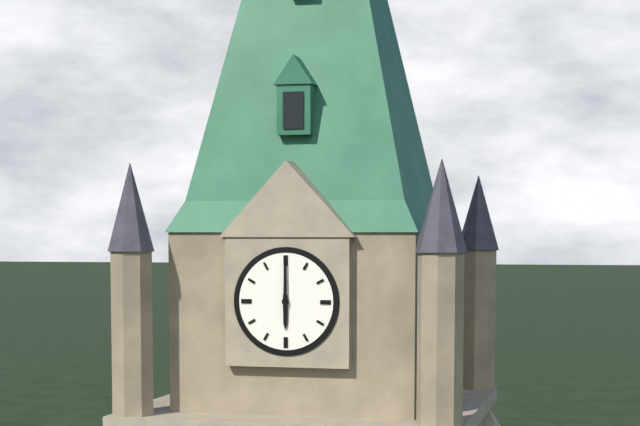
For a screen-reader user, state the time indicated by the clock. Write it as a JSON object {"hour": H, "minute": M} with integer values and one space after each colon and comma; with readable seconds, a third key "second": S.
{"hour": 6, "minute": 0}
